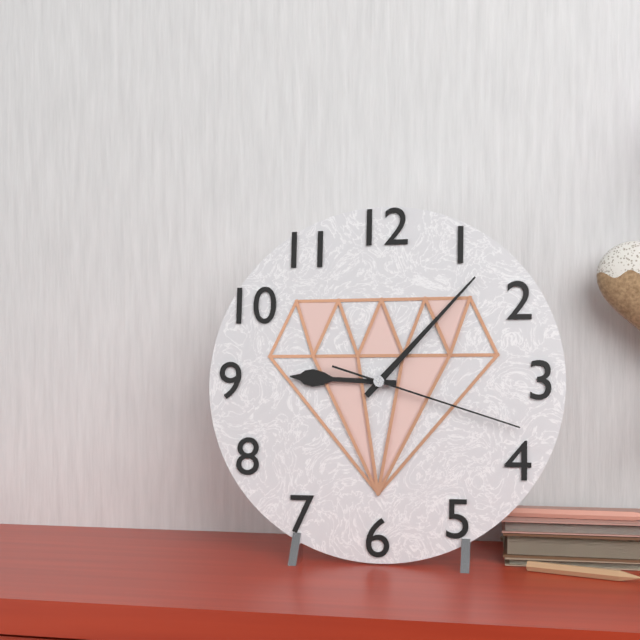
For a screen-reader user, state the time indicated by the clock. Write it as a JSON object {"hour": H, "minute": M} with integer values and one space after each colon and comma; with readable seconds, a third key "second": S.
{"hour": 9, "minute": 7, "second": 18}
